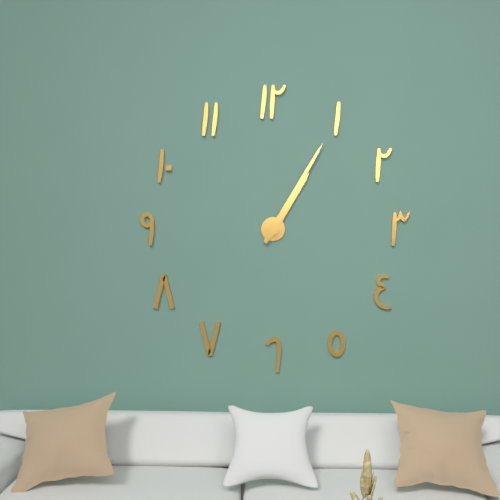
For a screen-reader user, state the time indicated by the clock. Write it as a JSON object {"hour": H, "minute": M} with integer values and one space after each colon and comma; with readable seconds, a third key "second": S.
{"hour": 1, "minute": 5}
